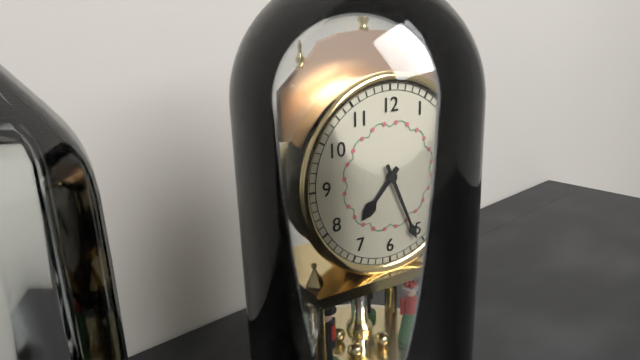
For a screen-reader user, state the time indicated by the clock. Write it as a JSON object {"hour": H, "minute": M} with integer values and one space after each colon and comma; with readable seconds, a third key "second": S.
{"hour": 7, "minute": 26}
